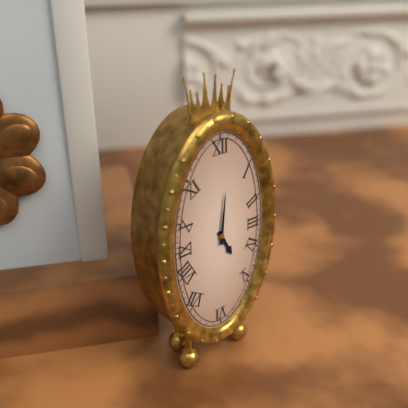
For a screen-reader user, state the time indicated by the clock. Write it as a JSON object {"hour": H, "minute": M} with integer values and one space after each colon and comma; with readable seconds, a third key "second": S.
{"hour": 5, "minute": 1}
